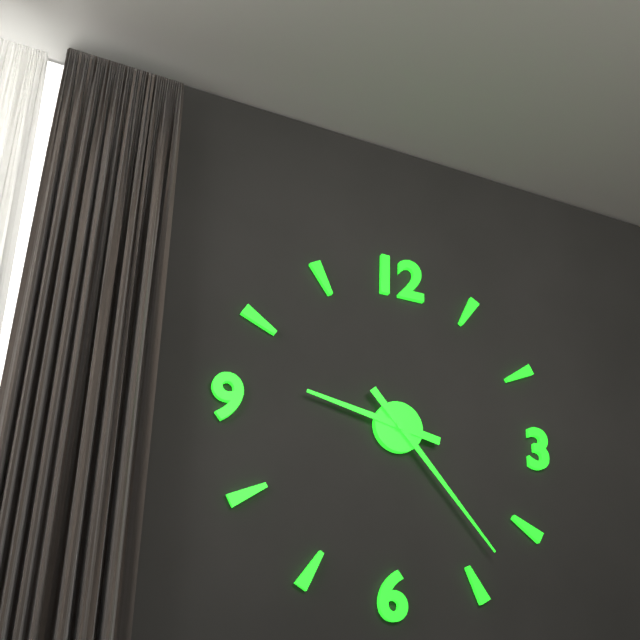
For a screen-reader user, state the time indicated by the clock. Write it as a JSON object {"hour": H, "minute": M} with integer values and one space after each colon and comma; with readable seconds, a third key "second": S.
{"hour": 9, "minute": 23}
